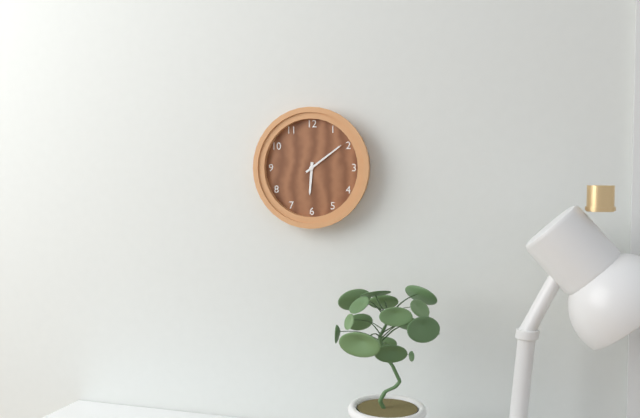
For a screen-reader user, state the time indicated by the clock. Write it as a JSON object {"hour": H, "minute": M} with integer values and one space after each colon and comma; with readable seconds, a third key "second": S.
{"hour": 6, "minute": 9}
